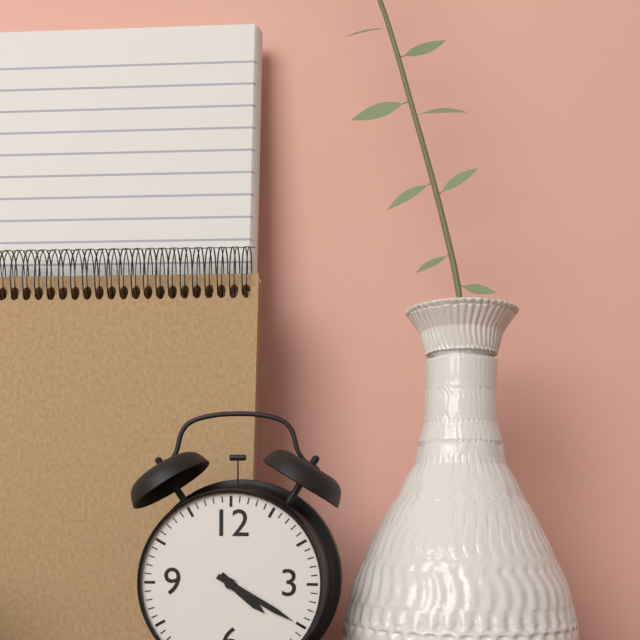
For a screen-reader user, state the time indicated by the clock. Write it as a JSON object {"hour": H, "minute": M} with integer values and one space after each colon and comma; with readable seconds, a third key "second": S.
{"hour": 4, "minute": 20}
